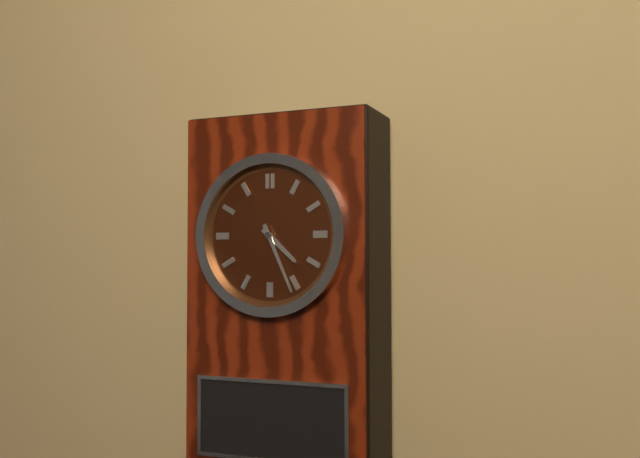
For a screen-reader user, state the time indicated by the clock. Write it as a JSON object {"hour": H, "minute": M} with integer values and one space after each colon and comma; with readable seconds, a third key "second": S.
{"hour": 4, "minute": 26}
